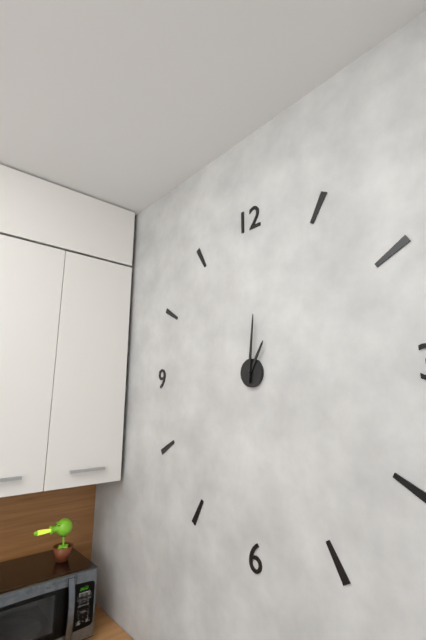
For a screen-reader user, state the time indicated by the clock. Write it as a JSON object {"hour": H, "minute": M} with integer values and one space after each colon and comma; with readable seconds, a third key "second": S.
{"hour": 1, "minute": 1}
